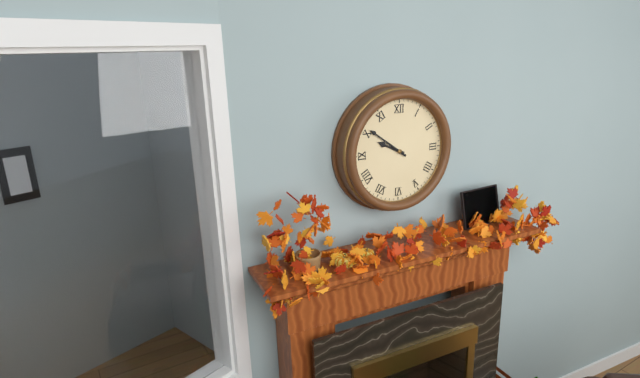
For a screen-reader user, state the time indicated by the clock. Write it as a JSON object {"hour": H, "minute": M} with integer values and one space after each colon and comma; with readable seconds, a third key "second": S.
{"hour": 9, "minute": 51}
